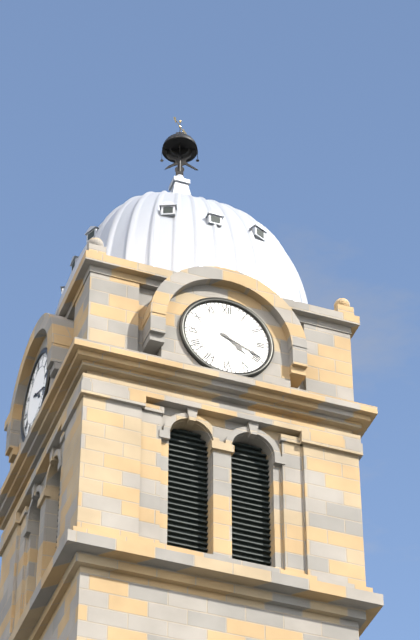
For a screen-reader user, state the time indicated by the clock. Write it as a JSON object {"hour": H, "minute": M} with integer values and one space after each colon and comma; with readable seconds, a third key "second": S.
{"hour": 4, "minute": 19}
